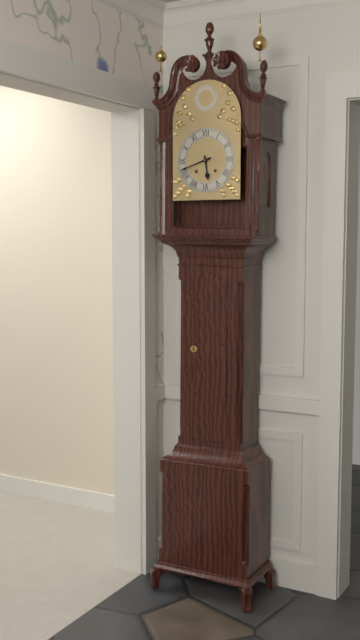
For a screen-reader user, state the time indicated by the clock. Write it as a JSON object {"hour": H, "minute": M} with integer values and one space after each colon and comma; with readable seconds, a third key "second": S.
{"hour": 5, "minute": 42}
